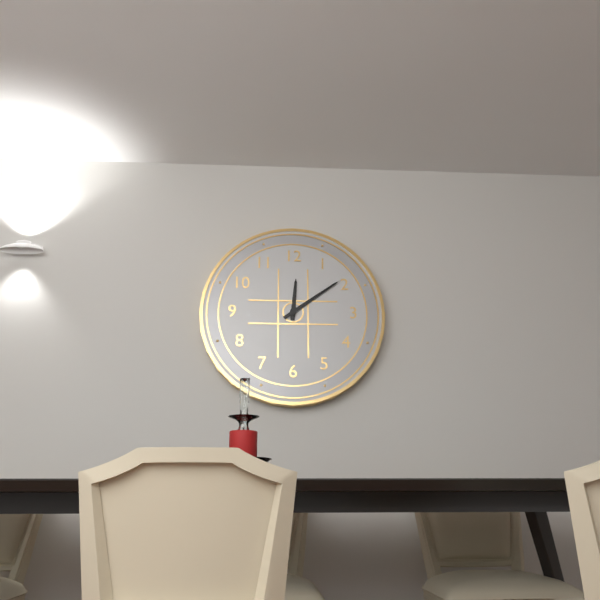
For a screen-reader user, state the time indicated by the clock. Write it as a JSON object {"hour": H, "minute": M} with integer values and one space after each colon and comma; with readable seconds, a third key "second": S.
{"hour": 12, "minute": 9}
